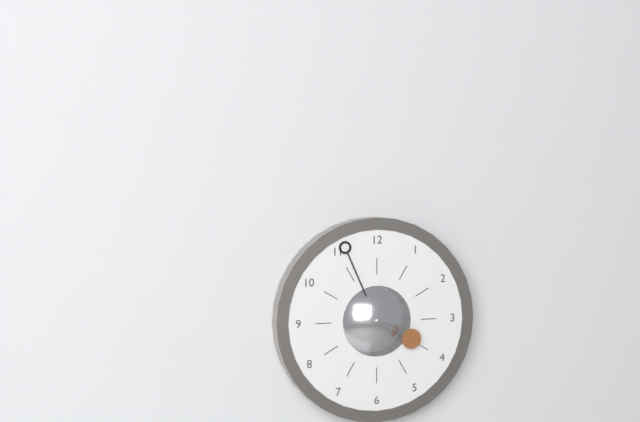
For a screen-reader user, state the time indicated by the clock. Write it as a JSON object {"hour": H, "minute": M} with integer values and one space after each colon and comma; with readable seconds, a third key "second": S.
{"hour": 3, "minute": 56, "second": 19}
